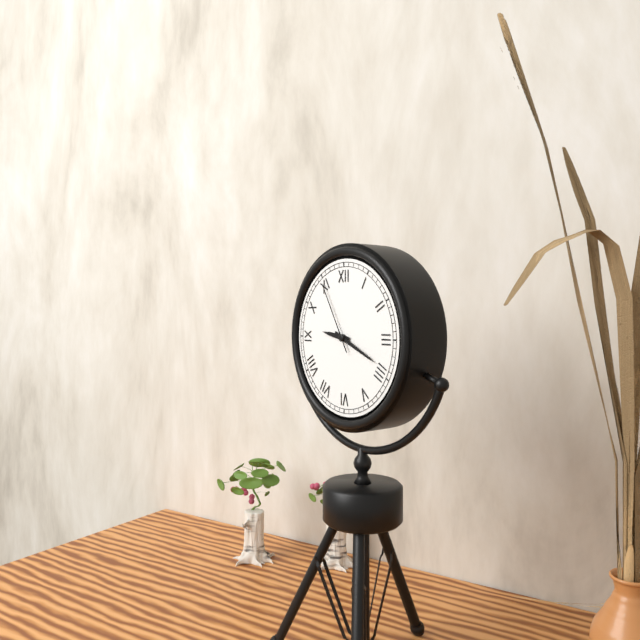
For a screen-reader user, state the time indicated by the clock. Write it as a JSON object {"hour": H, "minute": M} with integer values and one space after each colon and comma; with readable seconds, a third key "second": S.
{"hour": 9, "minute": 19, "second": 55}
